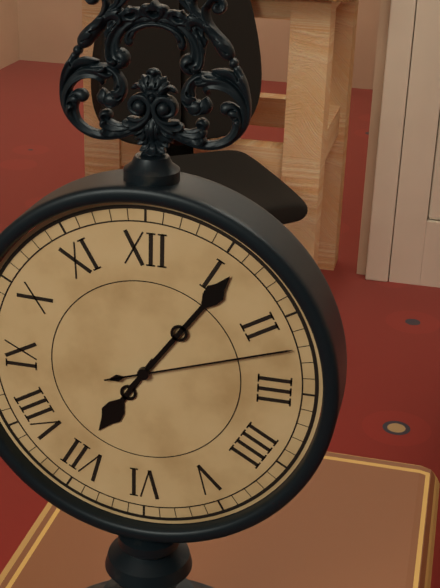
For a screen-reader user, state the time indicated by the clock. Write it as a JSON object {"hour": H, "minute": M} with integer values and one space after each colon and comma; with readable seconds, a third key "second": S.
{"hour": 7, "minute": 6, "second": 12}
